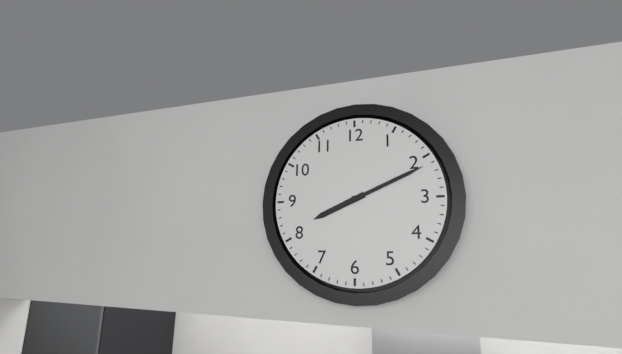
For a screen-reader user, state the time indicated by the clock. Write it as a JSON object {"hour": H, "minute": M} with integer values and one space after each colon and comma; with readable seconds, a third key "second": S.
{"hour": 8, "minute": 11}
